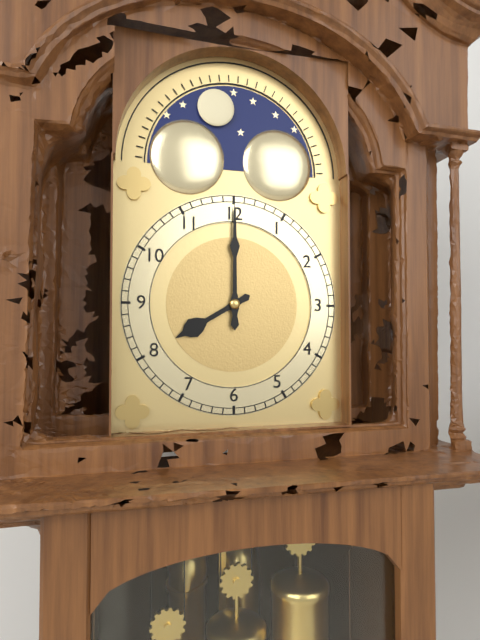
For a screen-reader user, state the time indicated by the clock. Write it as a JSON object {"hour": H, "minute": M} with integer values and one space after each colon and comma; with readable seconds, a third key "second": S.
{"hour": 8, "minute": 0}
